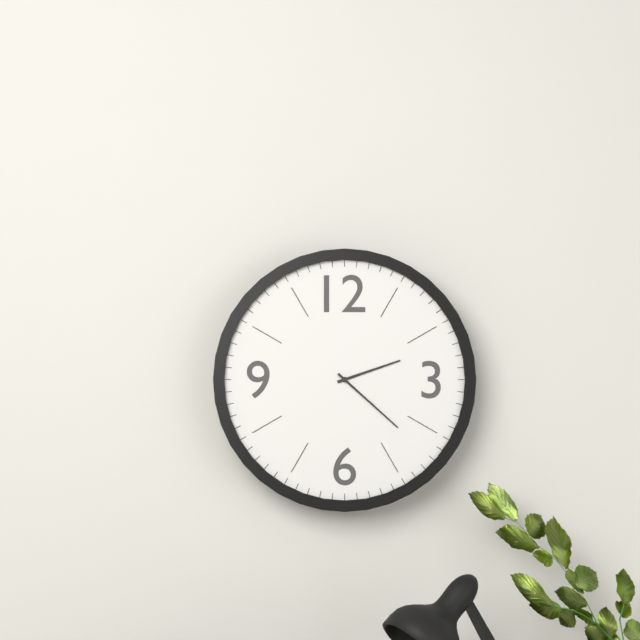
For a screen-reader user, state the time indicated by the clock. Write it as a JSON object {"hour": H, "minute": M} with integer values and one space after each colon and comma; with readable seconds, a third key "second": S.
{"hour": 2, "minute": 22}
